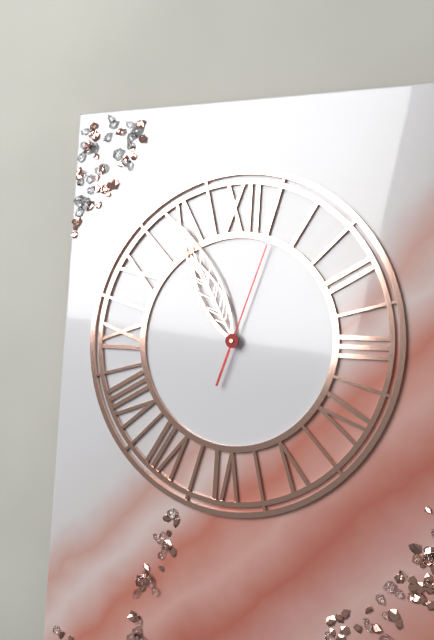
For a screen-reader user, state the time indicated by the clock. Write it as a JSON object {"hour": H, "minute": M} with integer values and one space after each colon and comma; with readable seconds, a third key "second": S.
{"hour": 10, "minute": 55, "second": 3}
